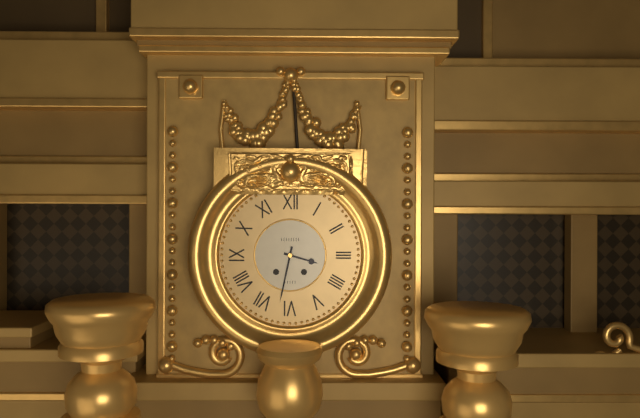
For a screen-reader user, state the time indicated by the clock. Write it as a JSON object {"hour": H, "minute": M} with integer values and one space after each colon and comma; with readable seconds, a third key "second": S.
{"hour": 3, "minute": 32}
